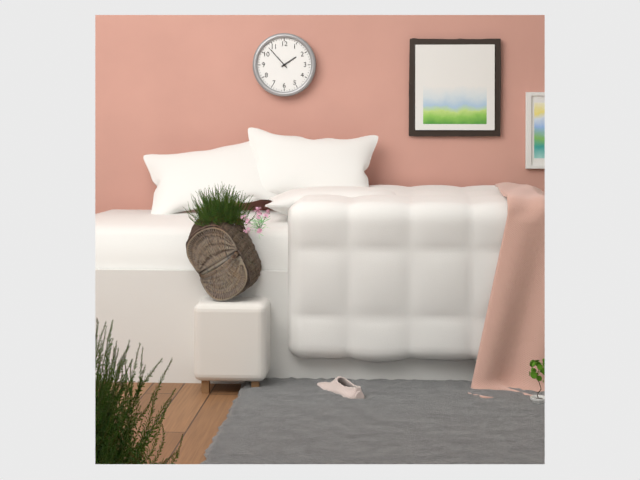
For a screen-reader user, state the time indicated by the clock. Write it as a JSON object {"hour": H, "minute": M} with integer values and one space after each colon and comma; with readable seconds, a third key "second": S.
{"hour": 1, "minute": 53}
